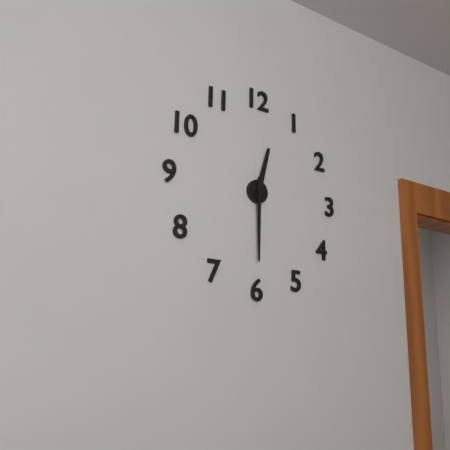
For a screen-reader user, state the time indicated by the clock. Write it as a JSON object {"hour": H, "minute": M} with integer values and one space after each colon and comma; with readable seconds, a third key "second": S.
{"hour": 12, "minute": 30}
